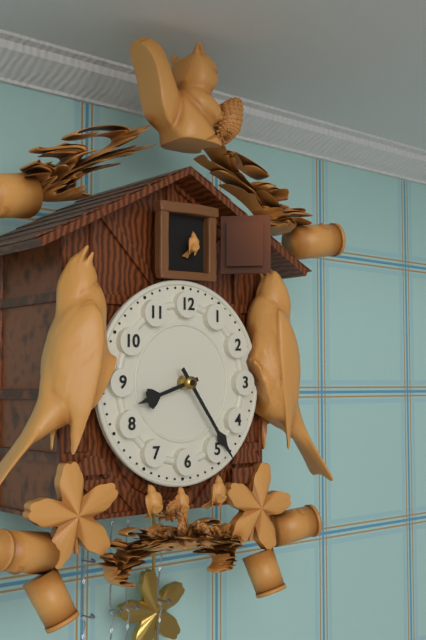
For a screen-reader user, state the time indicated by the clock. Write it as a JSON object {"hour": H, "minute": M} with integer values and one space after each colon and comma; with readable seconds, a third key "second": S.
{"hour": 8, "minute": 24}
